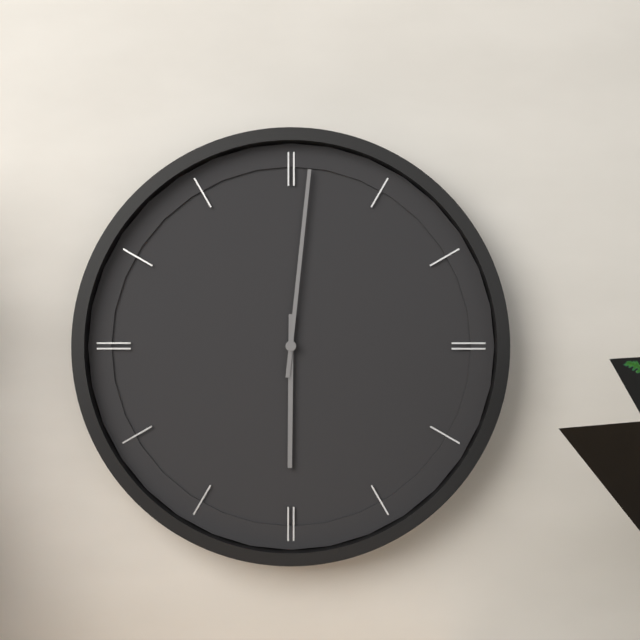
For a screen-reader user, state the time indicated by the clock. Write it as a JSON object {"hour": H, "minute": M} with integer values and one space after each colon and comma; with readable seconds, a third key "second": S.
{"hour": 6, "minute": 1}
